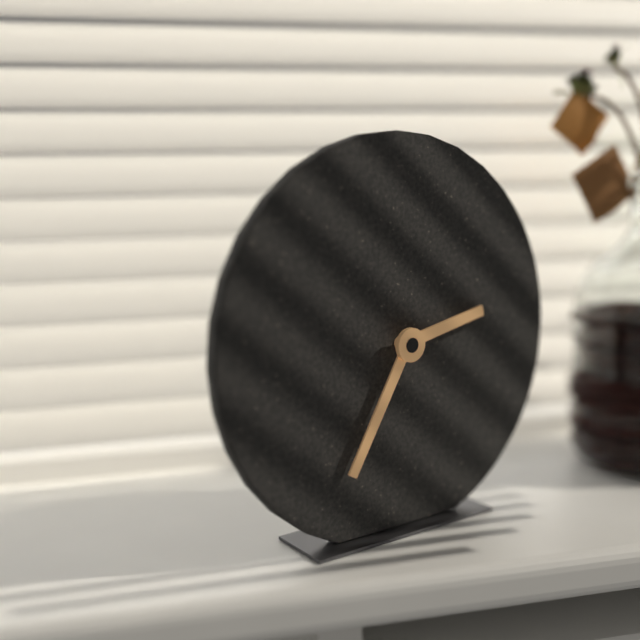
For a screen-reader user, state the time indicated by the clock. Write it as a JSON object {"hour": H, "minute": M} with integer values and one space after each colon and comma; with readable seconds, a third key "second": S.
{"hour": 2, "minute": 35}
